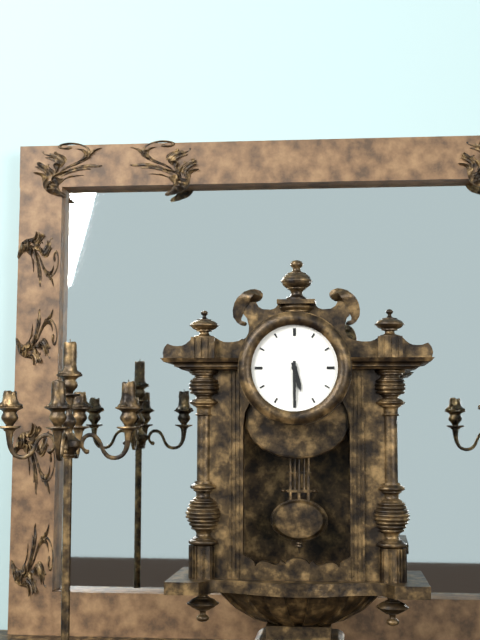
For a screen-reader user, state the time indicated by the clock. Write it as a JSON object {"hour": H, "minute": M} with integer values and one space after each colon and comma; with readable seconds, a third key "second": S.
{"hour": 5, "minute": 30}
